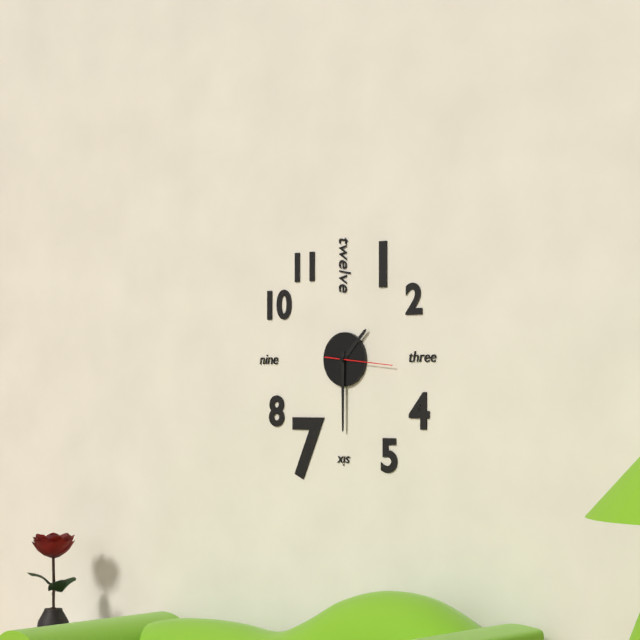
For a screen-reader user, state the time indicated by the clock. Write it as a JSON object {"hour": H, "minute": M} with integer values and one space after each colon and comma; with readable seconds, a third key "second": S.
{"hour": 1, "minute": 30, "second": 16}
